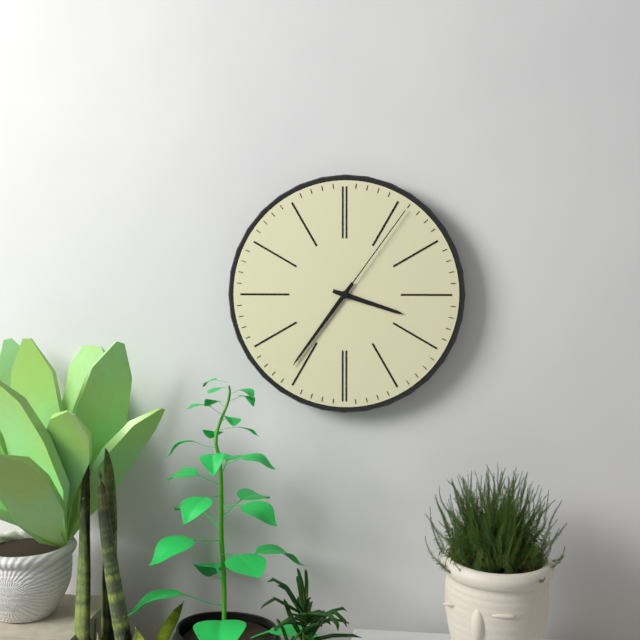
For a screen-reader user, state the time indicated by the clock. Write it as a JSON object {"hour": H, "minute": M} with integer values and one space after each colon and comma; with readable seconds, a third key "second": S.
{"hour": 3, "minute": 36, "second": 6}
